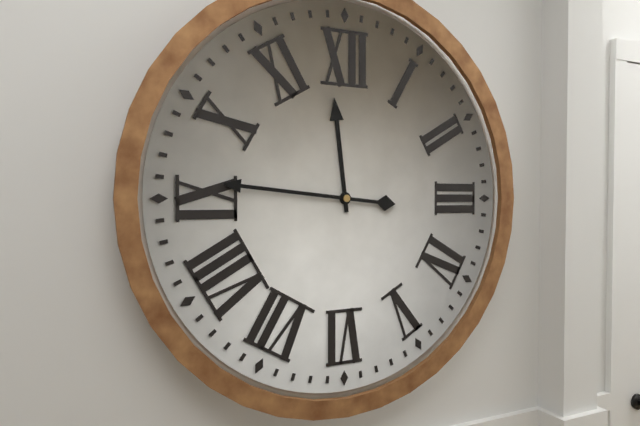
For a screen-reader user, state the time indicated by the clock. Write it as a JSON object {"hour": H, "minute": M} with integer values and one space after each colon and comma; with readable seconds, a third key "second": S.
{"hour": 11, "minute": 46}
